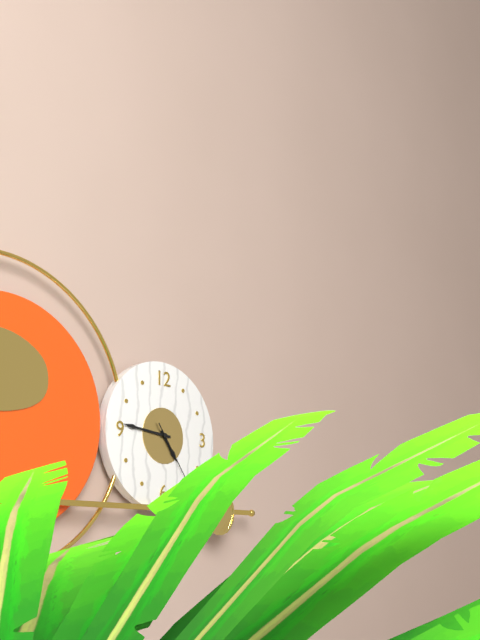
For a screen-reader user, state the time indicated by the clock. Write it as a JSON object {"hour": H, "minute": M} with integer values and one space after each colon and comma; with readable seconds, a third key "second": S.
{"hour": 4, "minute": 46, "second": 24}
